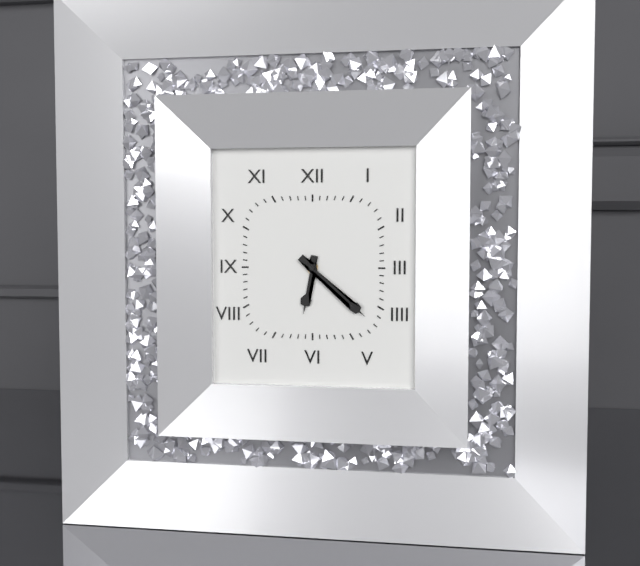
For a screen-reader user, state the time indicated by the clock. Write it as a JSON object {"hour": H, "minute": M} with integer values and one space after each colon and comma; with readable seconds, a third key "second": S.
{"hour": 6, "minute": 22}
